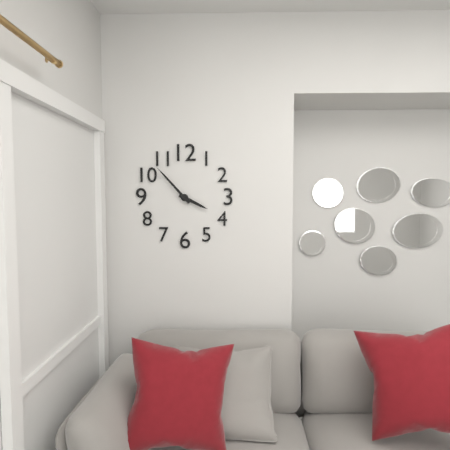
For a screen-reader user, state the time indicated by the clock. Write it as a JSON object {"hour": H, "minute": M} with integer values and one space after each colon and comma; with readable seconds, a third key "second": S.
{"hour": 3, "minute": 53}
